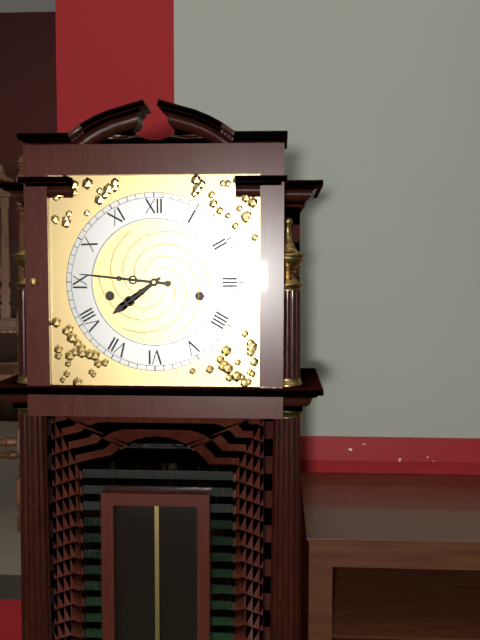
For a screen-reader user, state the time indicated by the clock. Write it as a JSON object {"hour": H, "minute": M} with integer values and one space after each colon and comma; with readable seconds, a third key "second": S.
{"hour": 7, "minute": 46}
